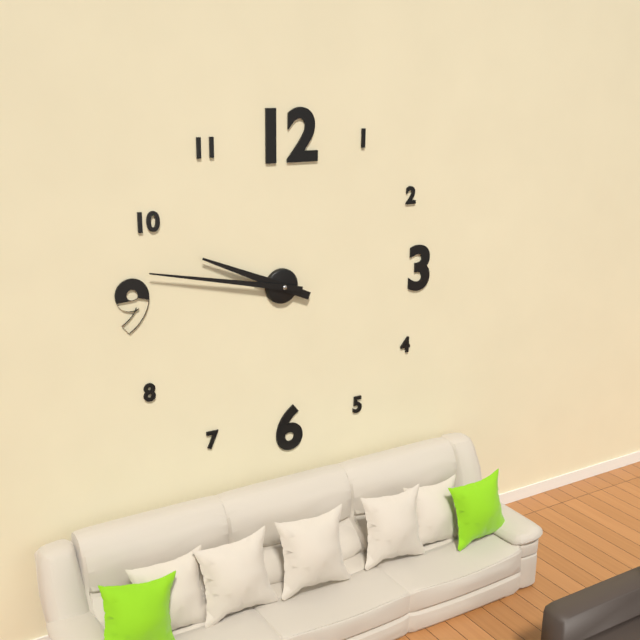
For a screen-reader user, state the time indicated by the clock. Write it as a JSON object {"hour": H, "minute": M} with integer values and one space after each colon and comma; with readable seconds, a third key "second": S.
{"hour": 9, "minute": 47}
